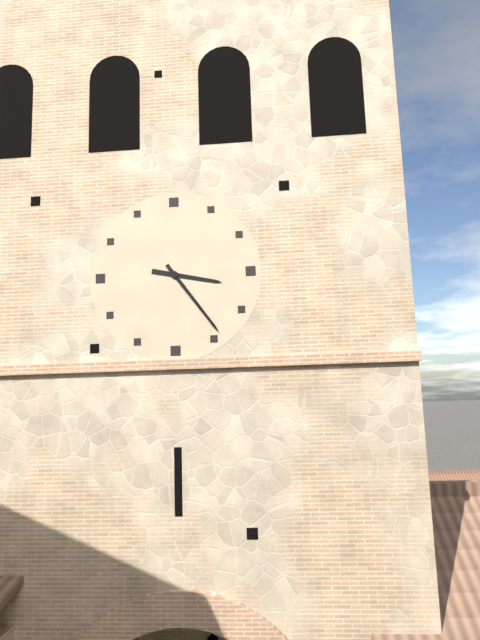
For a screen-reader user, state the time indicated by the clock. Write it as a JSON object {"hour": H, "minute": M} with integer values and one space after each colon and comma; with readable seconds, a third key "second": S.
{"hour": 3, "minute": 24}
